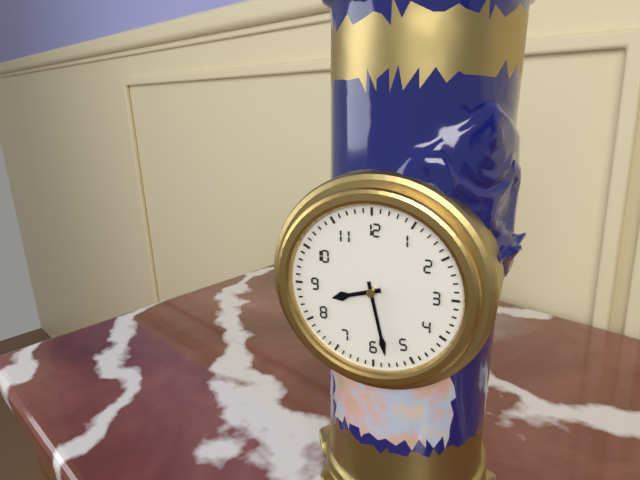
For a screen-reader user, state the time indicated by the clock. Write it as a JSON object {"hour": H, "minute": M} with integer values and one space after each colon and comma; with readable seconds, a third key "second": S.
{"hour": 8, "minute": 28}
